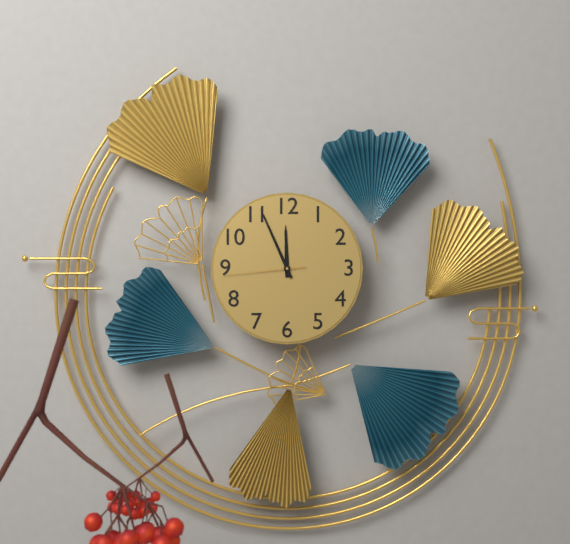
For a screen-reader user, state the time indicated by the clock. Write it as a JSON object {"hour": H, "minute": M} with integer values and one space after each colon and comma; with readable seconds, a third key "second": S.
{"hour": 11, "minute": 56, "second": 44}
